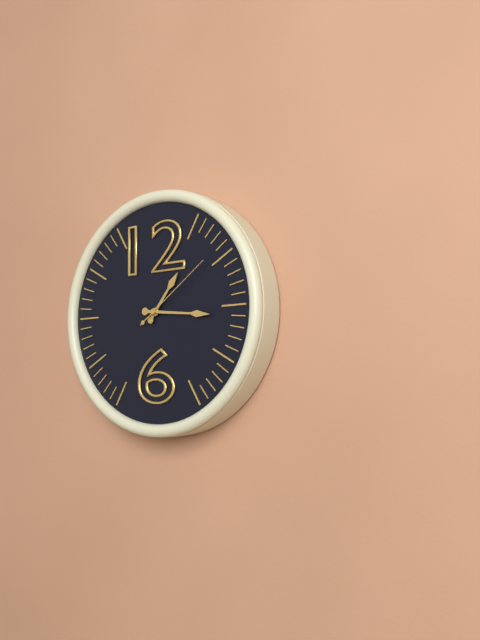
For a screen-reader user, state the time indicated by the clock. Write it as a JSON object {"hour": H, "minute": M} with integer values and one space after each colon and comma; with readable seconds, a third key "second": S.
{"hour": 1, "minute": 16, "second": 9}
